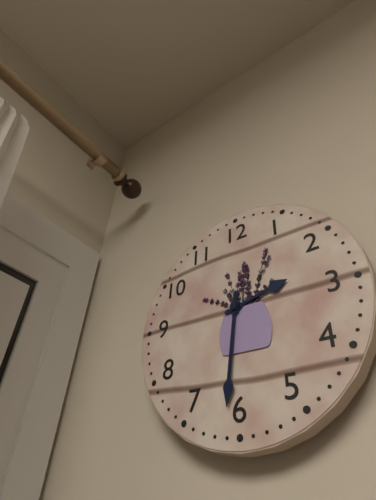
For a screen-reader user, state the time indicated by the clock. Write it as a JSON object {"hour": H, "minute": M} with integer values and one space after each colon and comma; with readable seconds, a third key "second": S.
{"hour": 2, "minute": 31}
